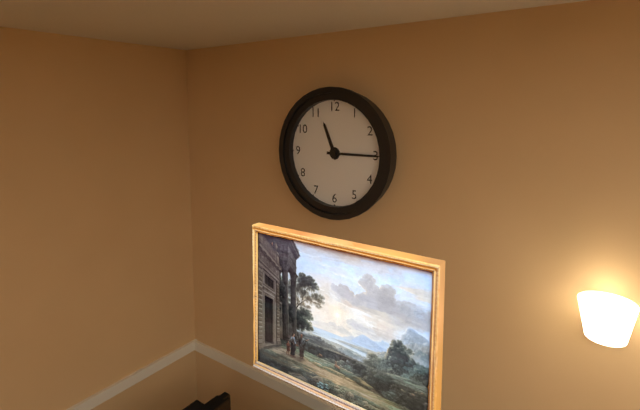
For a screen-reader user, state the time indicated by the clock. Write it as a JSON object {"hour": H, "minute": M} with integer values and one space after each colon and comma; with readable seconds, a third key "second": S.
{"hour": 11, "minute": 15}
